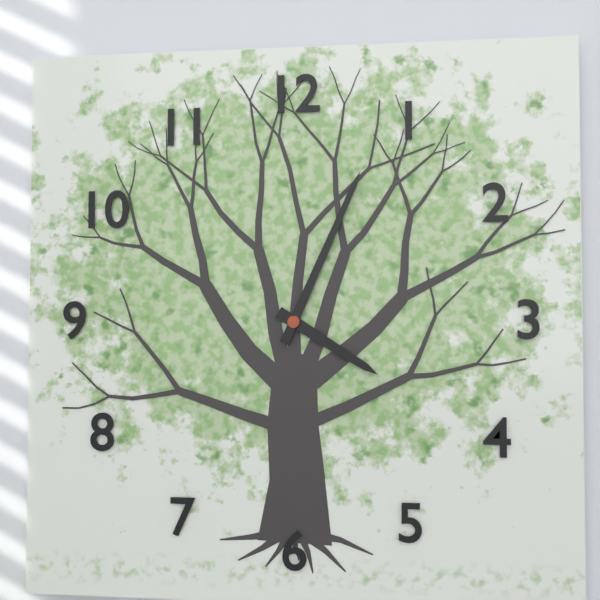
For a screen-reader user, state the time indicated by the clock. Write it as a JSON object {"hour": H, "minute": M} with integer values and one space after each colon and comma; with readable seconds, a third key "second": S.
{"hour": 4, "minute": 4}
